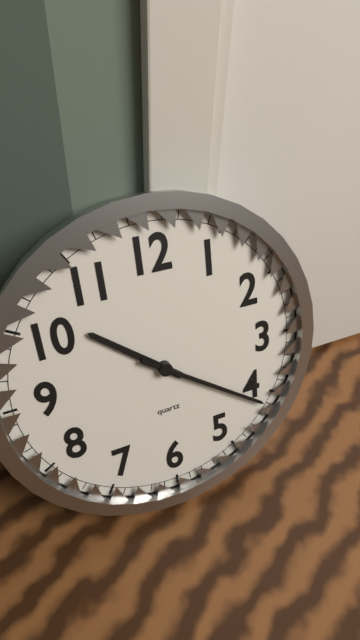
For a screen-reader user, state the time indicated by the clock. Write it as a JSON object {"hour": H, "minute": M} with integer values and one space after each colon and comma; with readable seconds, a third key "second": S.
{"hour": 10, "minute": 21}
